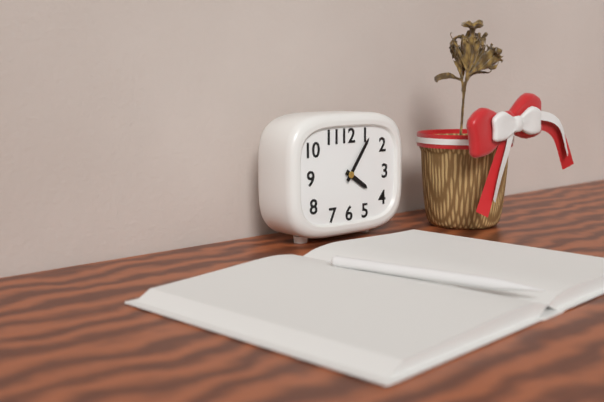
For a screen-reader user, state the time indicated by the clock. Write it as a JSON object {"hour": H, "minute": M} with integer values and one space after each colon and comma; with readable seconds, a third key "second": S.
{"hour": 4, "minute": 6}
